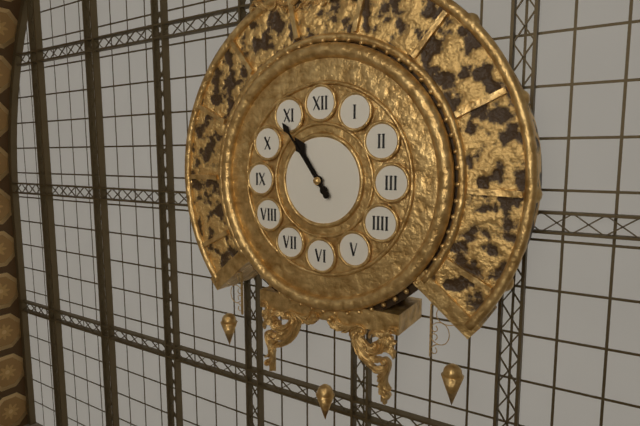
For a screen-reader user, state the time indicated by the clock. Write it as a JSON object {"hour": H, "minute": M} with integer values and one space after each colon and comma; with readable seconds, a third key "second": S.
{"hour": 10, "minute": 54}
